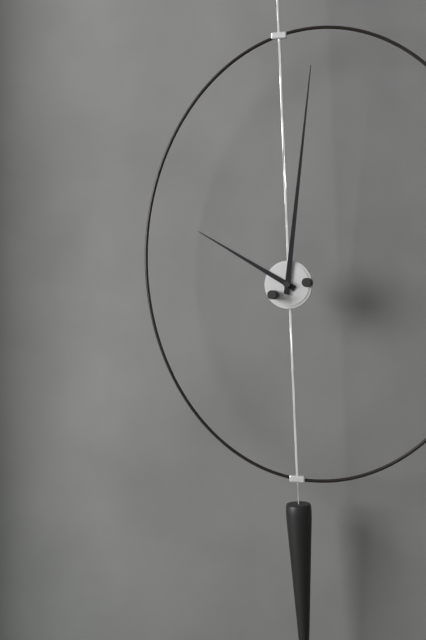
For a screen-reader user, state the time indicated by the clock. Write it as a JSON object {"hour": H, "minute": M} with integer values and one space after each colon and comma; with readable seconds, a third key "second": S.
{"hour": 10, "minute": 1}
